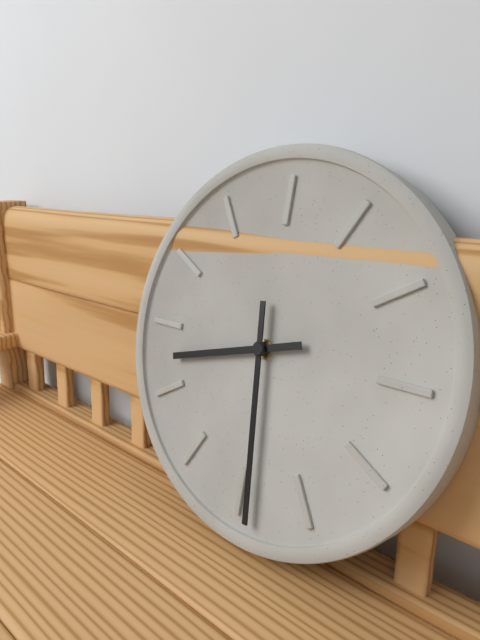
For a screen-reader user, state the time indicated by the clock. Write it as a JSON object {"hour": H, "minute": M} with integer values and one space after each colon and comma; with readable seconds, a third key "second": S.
{"hour": 8, "minute": 29}
